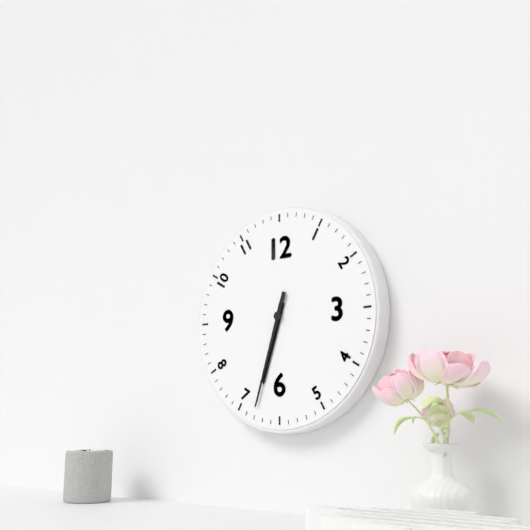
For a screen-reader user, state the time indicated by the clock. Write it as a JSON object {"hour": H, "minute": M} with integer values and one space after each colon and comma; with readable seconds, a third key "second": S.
{"hour": 6, "minute": 33}
